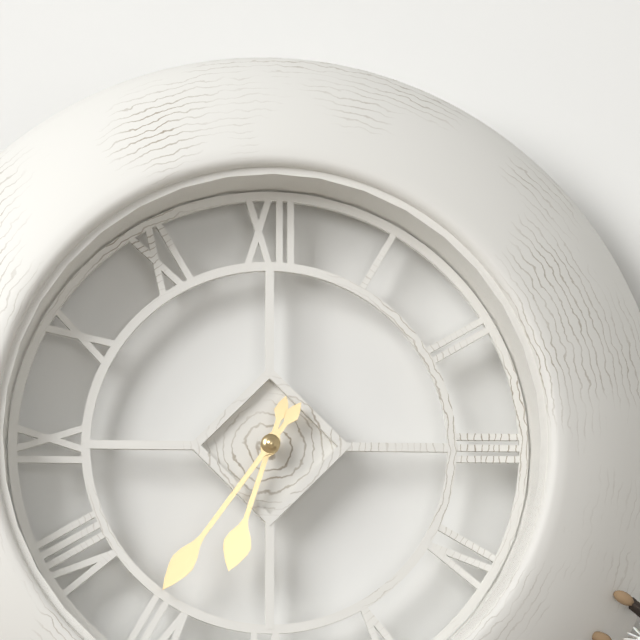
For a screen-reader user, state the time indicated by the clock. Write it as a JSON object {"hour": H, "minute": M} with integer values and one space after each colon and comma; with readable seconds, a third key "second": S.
{"hour": 6, "minute": 36}
